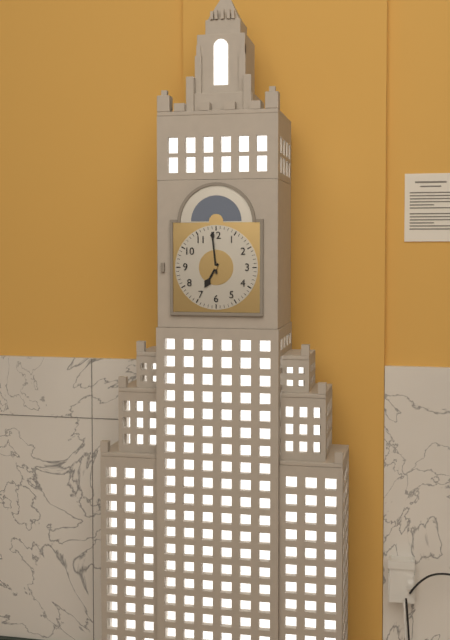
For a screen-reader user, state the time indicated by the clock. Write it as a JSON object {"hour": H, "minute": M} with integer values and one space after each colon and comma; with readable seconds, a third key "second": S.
{"hour": 6, "minute": 59}
